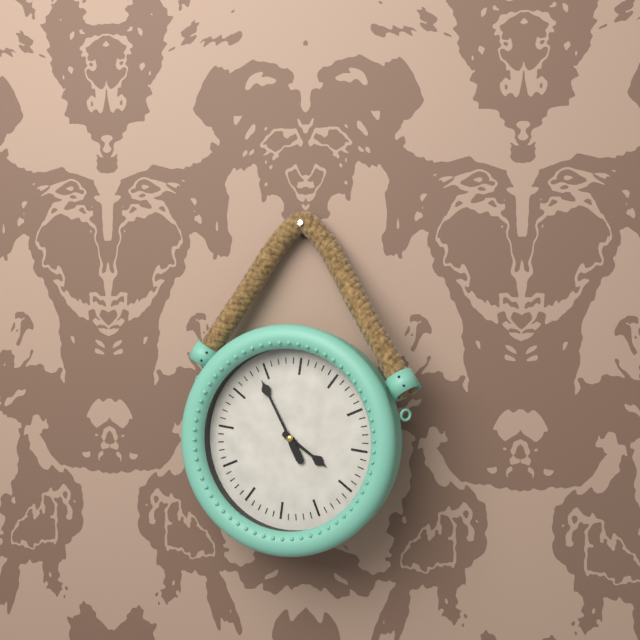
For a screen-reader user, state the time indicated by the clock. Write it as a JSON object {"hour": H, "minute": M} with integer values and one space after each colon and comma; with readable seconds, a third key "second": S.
{"hour": 3, "minute": 54}
